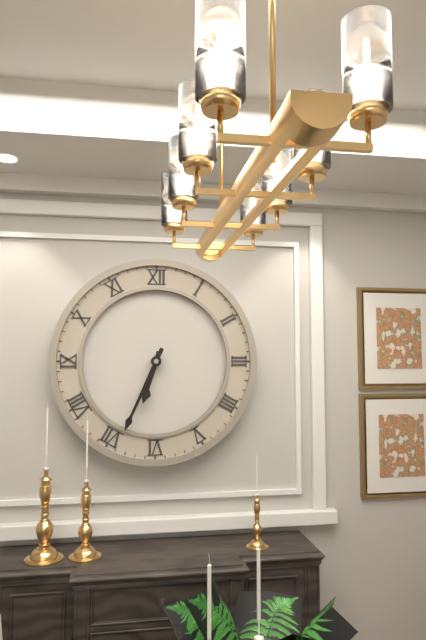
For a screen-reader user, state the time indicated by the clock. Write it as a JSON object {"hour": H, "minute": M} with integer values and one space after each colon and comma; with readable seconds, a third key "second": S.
{"hour": 6, "minute": 34}
